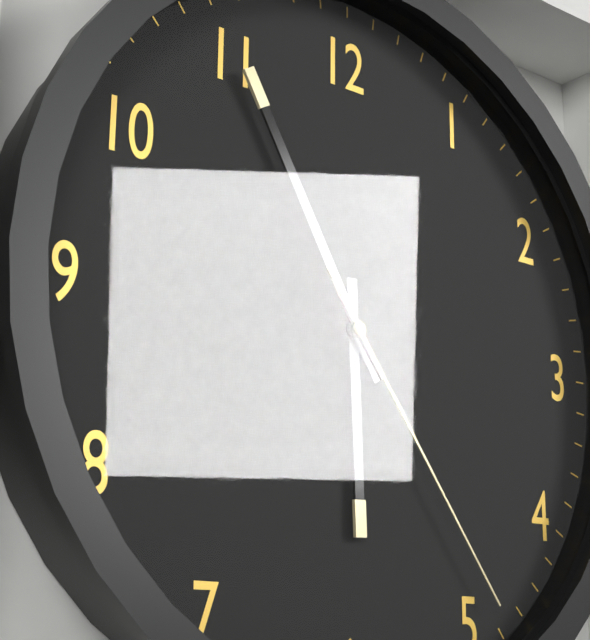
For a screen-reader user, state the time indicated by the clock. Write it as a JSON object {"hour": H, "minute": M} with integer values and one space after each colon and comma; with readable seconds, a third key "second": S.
{"hour": 5, "minute": 55, "second": 24}
